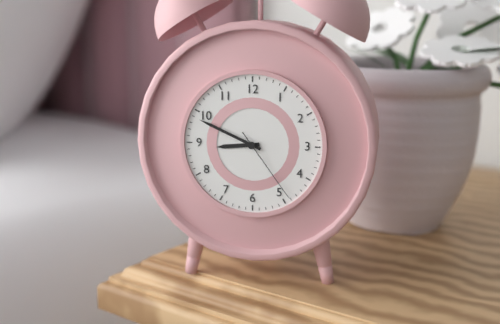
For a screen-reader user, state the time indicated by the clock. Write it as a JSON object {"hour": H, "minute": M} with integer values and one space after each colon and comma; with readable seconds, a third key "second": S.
{"hour": 8, "minute": 49, "second": 24}
